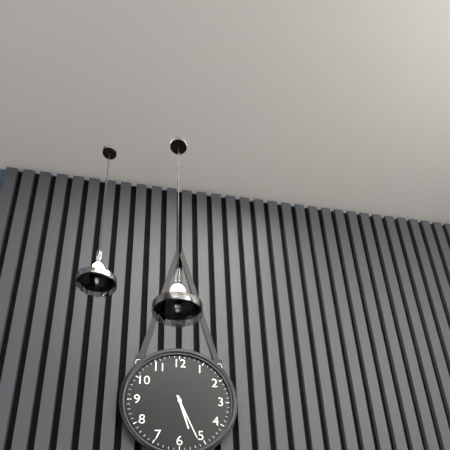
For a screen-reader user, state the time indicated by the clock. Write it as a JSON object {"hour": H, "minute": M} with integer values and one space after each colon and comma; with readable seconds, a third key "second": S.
{"hour": 5, "minute": 26}
